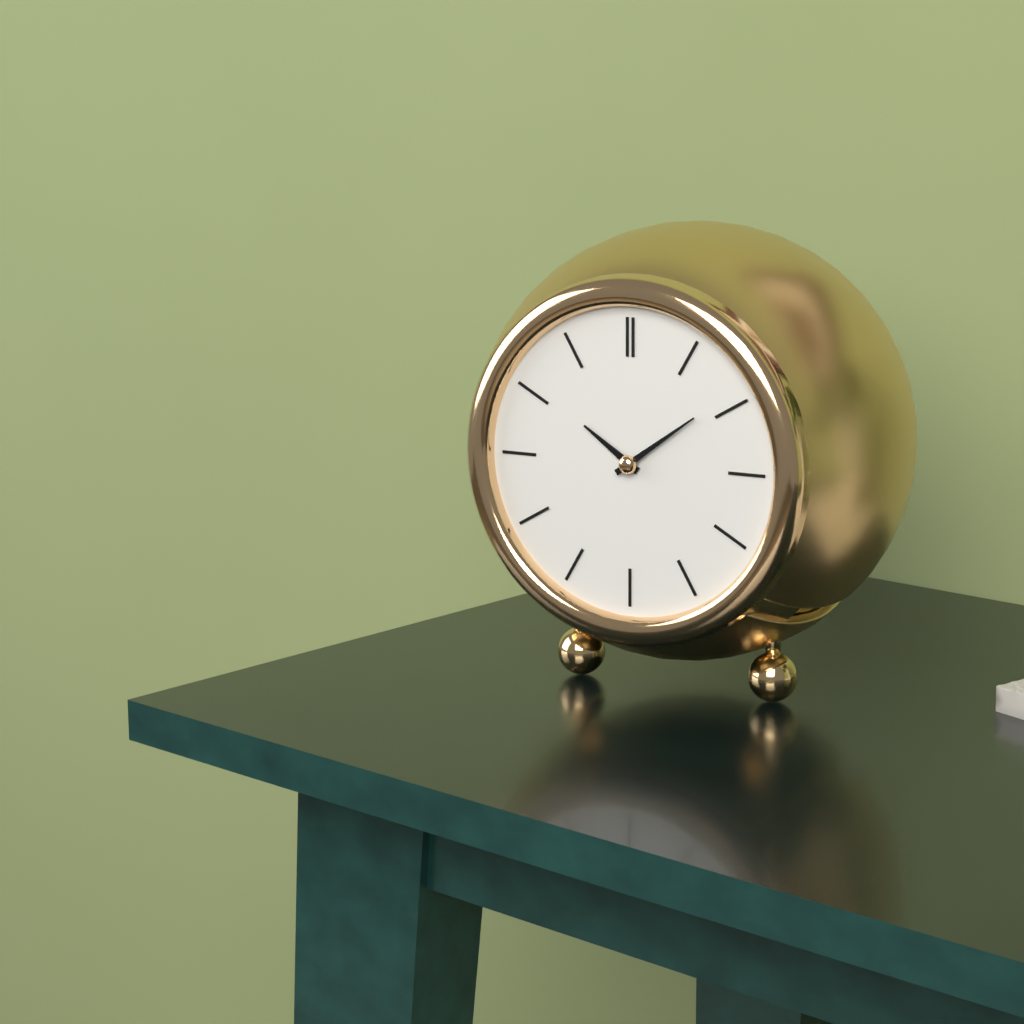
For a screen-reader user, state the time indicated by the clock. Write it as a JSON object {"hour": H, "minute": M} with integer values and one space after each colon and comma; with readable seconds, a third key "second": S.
{"hour": 10, "minute": 9}
